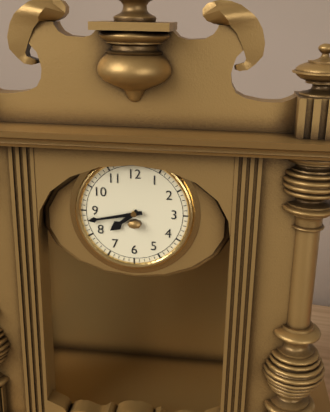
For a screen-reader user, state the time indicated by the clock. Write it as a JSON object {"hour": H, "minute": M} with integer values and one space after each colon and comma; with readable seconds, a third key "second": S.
{"hour": 7, "minute": 43}
